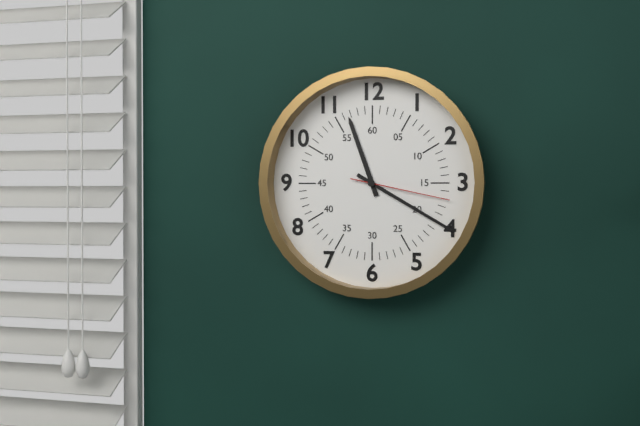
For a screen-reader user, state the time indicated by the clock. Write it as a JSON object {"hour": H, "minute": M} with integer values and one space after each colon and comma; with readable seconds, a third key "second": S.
{"hour": 11, "minute": 20, "second": 17}
